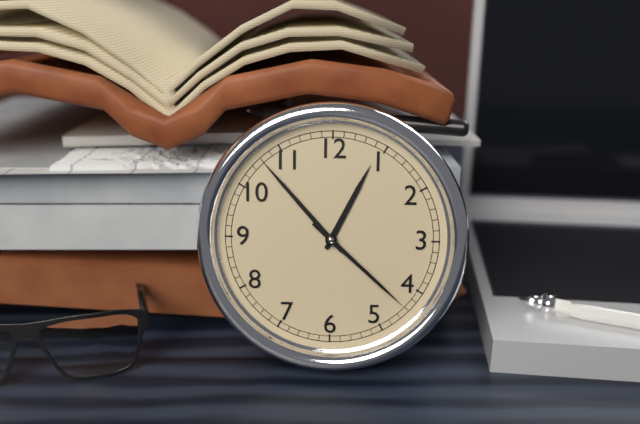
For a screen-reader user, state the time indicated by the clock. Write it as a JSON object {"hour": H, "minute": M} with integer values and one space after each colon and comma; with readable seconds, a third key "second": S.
{"hour": 12, "minute": 53, "second": 22}
